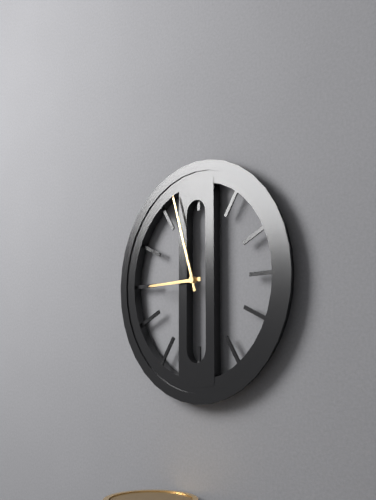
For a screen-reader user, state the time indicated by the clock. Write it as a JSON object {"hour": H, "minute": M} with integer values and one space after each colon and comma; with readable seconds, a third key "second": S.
{"hour": 8, "minute": 57}
